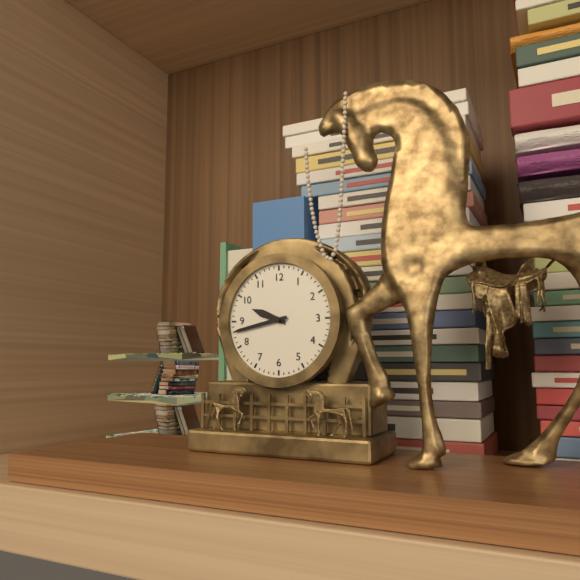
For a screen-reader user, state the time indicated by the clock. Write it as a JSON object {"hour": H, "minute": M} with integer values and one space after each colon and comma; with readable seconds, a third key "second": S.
{"hour": 9, "minute": 43}
